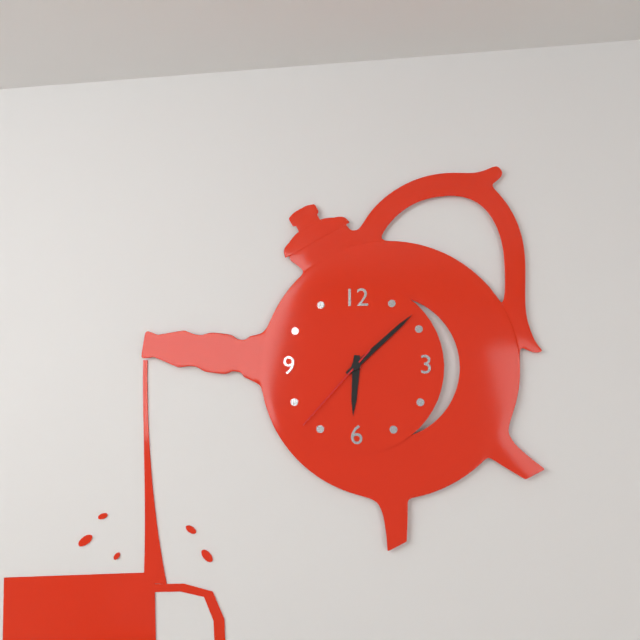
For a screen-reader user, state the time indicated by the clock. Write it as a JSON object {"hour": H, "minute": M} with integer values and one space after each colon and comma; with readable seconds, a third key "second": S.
{"hour": 6, "minute": 8, "second": 37}
